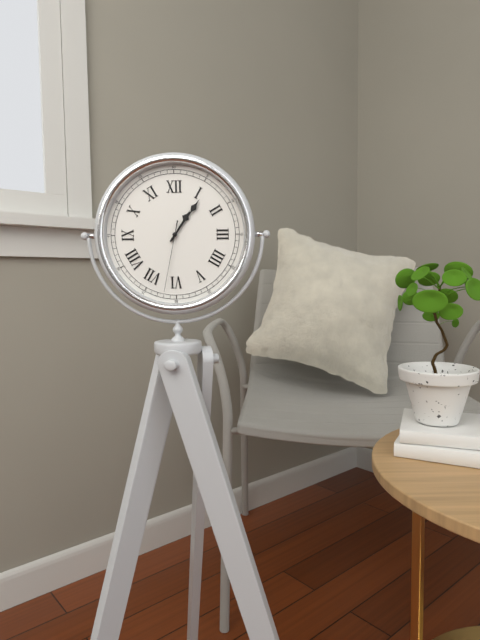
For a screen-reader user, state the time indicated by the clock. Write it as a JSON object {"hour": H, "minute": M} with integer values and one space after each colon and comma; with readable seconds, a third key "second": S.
{"hour": 1, "minute": 6, "second": 32}
